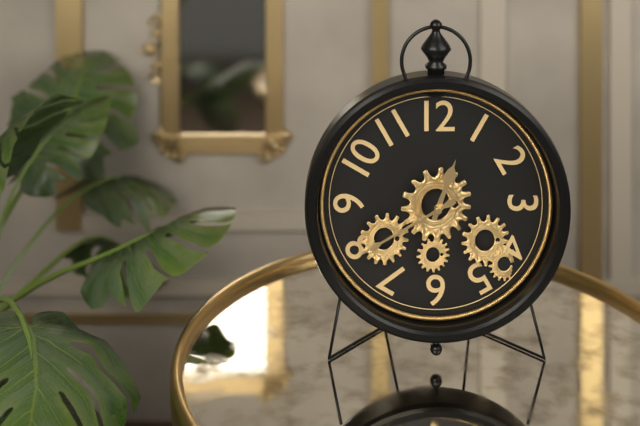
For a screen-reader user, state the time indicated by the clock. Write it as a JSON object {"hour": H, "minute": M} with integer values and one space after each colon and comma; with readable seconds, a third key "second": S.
{"hour": 12, "minute": 40}
